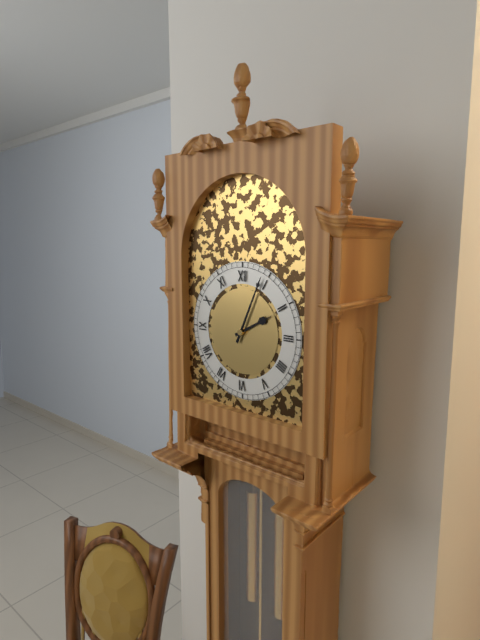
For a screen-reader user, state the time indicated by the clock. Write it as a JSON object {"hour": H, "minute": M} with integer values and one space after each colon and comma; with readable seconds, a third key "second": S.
{"hour": 2, "minute": 4}
